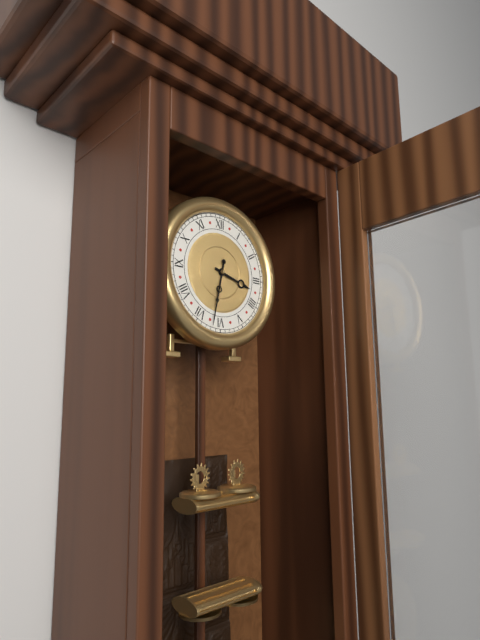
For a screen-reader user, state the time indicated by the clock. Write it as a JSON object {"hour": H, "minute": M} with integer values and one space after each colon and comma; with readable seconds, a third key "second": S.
{"hour": 3, "minute": 32}
